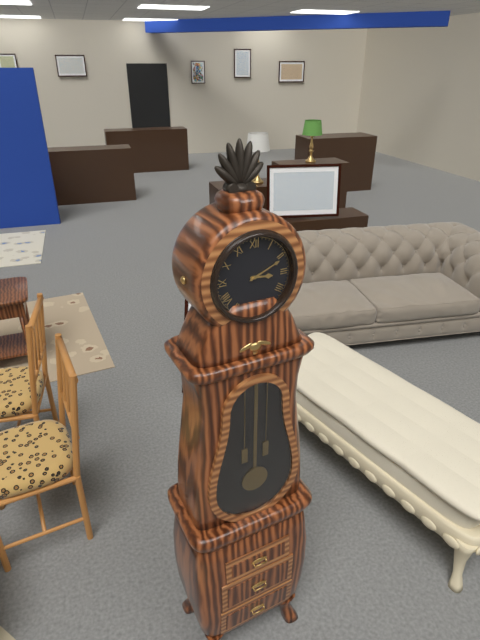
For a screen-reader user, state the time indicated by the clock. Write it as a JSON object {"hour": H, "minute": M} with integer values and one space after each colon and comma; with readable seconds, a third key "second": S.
{"hour": 3, "minute": 11}
